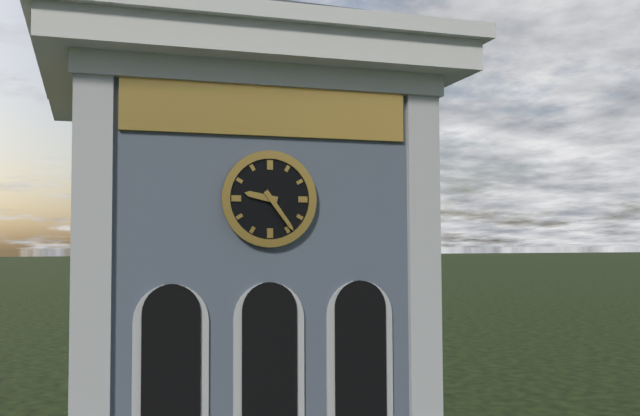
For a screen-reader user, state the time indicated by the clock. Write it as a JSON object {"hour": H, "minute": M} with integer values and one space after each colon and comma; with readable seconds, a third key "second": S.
{"hour": 9, "minute": 24}
